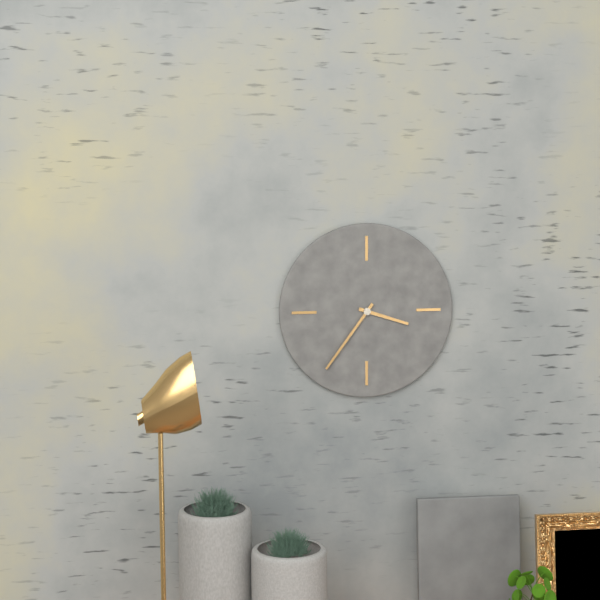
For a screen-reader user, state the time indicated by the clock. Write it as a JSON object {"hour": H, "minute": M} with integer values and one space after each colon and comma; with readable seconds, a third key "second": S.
{"hour": 3, "minute": 36}
